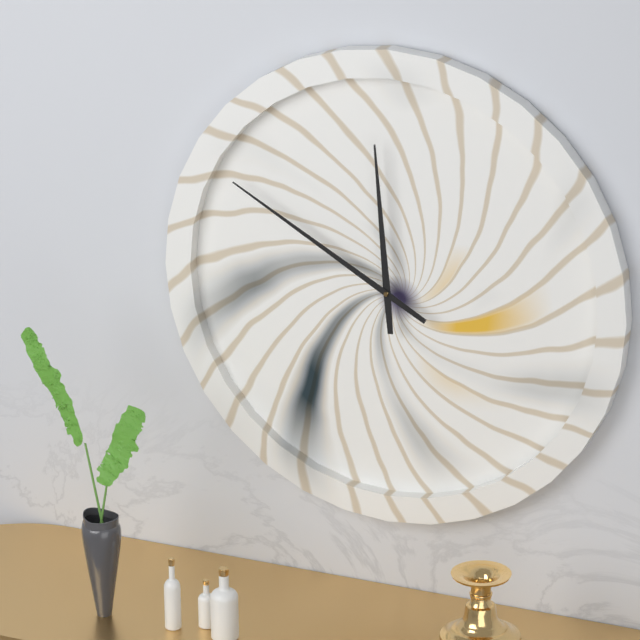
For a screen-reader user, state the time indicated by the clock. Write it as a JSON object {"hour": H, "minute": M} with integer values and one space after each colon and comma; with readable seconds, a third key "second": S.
{"hour": 11, "minute": 50}
